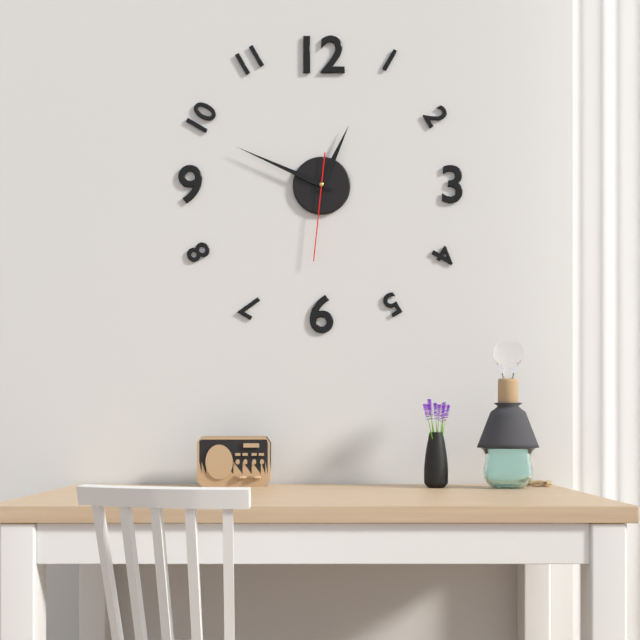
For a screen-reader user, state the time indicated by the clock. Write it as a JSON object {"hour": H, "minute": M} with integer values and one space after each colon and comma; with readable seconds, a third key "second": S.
{"hour": 12, "minute": 49, "second": 31}
